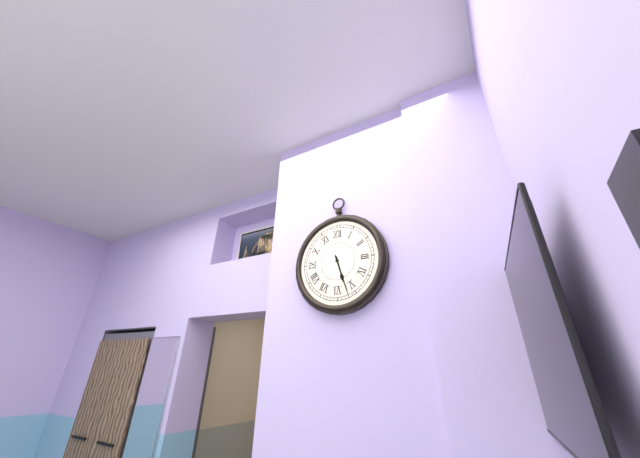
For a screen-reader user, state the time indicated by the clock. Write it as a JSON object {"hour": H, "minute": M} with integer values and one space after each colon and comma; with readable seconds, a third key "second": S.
{"hour": 5, "minute": 27}
